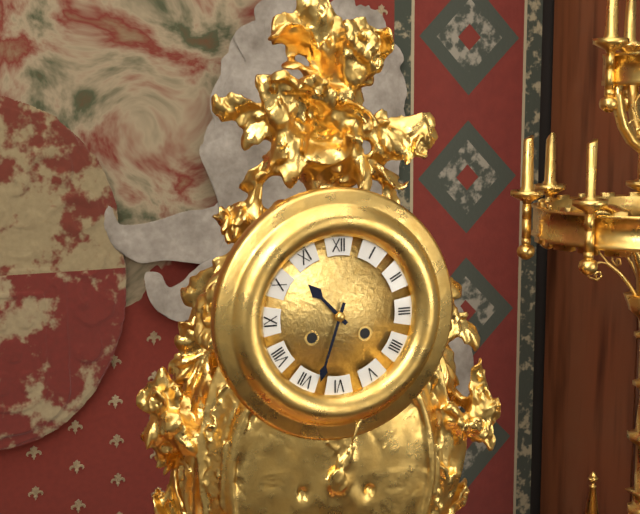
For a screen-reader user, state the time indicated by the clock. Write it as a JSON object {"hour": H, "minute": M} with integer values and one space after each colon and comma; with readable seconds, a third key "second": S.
{"hour": 10, "minute": 33}
